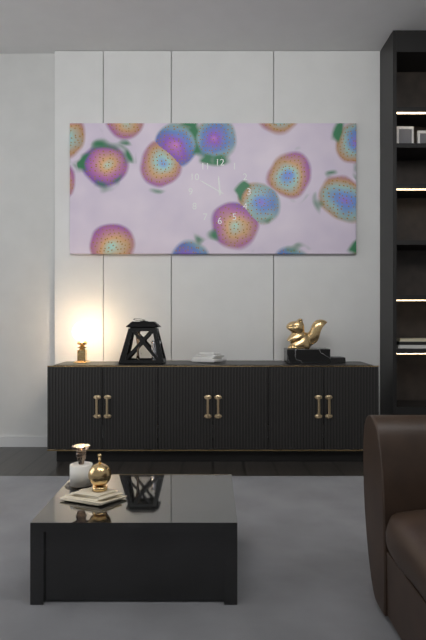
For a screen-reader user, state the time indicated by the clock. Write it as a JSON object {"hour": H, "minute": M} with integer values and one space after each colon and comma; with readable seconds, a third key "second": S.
{"hour": 11, "minute": 50}
